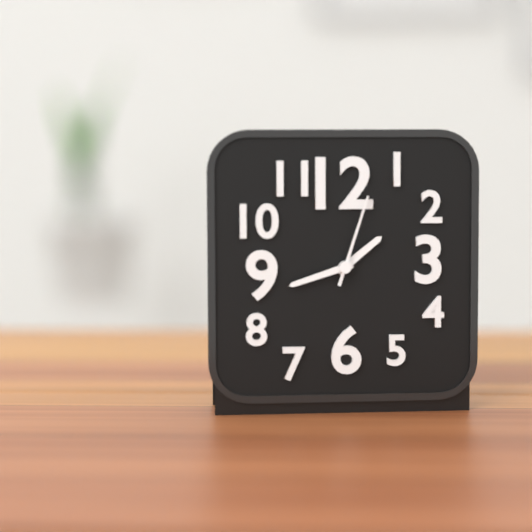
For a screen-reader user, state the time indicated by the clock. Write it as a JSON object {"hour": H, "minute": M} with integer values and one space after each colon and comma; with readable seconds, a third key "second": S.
{"hour": 1, "minute": 42, "second": 3}
